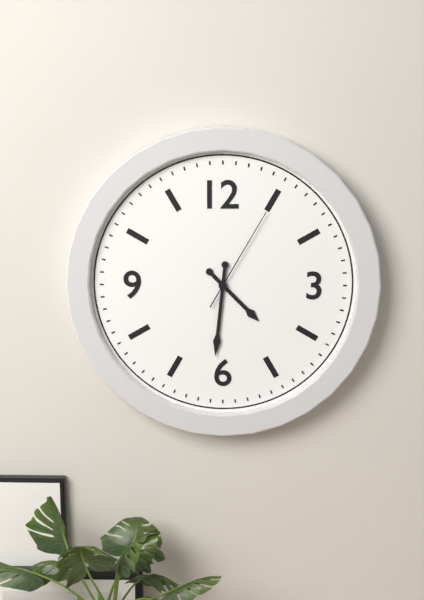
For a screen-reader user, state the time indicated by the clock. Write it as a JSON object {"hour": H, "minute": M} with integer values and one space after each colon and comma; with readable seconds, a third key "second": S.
{"hour": 4, "minute": 31, "second": 5}
